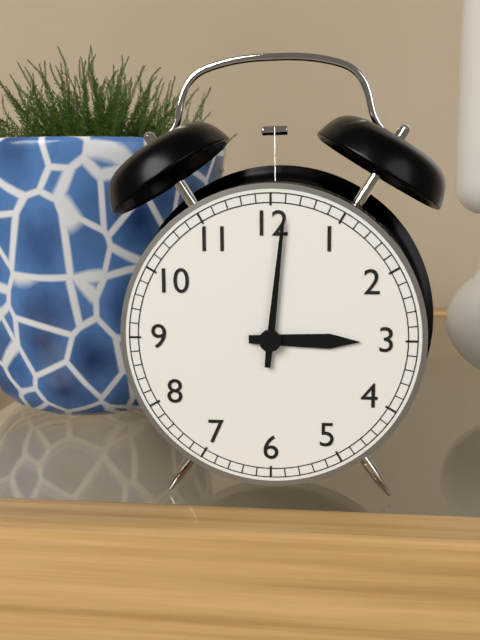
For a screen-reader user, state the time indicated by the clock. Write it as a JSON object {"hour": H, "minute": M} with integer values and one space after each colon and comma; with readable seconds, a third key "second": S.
{"hour": 3, "minute": 1}
